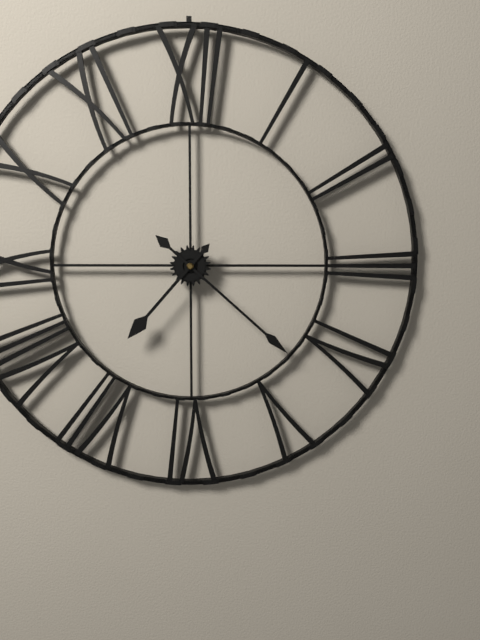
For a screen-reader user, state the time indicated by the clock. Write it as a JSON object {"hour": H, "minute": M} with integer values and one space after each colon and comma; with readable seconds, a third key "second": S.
{"hour": 7, "minute": 22}
